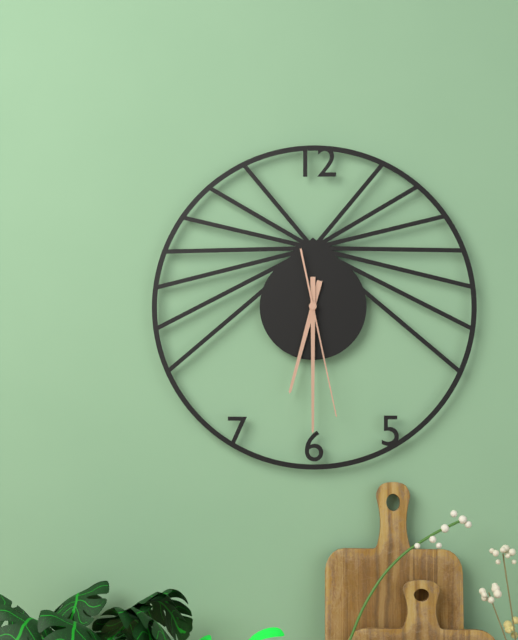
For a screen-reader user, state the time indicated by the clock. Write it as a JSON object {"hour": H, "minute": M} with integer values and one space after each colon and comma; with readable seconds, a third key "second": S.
{"hour": 6, "minute": 30, "second": 28}
